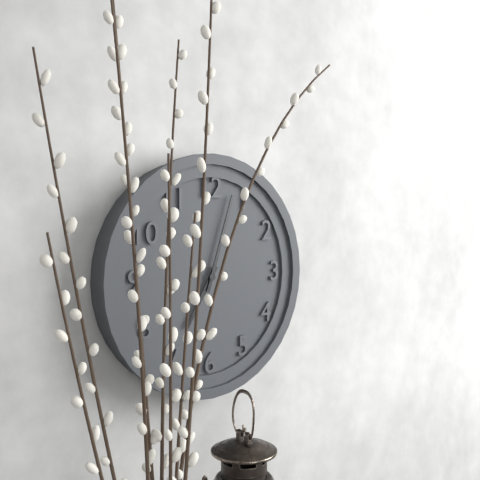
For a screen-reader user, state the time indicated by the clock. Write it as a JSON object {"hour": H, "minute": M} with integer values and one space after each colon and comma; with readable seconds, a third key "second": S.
{"hour": 7, "minute": 3}
